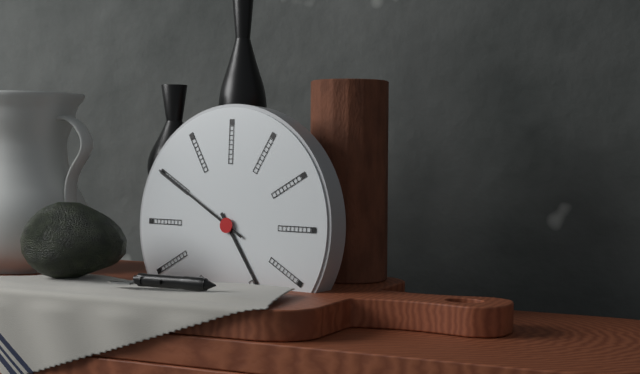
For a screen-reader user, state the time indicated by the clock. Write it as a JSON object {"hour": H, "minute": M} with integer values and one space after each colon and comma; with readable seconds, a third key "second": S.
{"hour": 4, "minute": 50}
